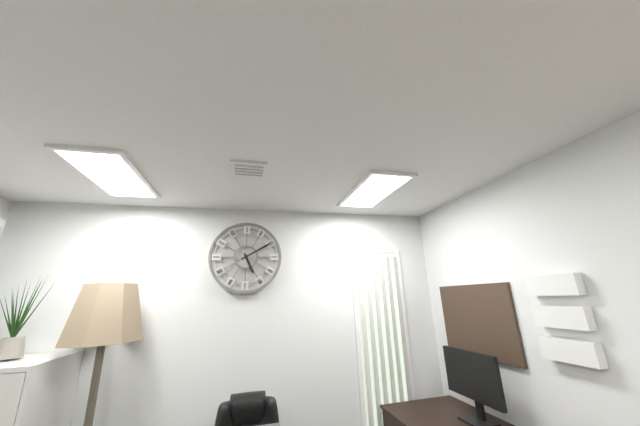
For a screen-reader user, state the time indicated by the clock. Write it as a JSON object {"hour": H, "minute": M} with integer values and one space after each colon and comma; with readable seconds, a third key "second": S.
{"hour": 5, "minute": 10}
